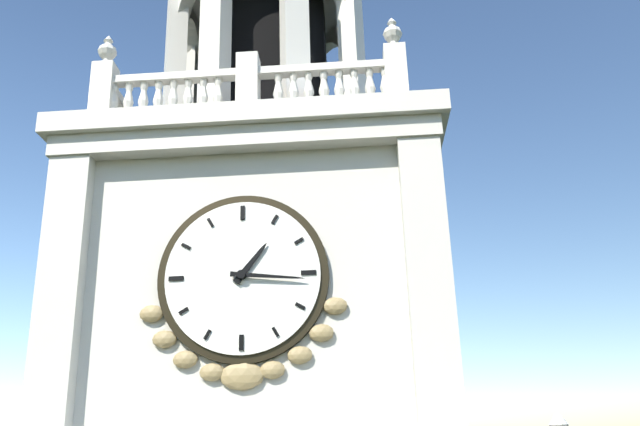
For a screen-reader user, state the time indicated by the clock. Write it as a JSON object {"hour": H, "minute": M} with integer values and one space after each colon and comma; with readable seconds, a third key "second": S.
{"hour": 1, "minute": 16}
